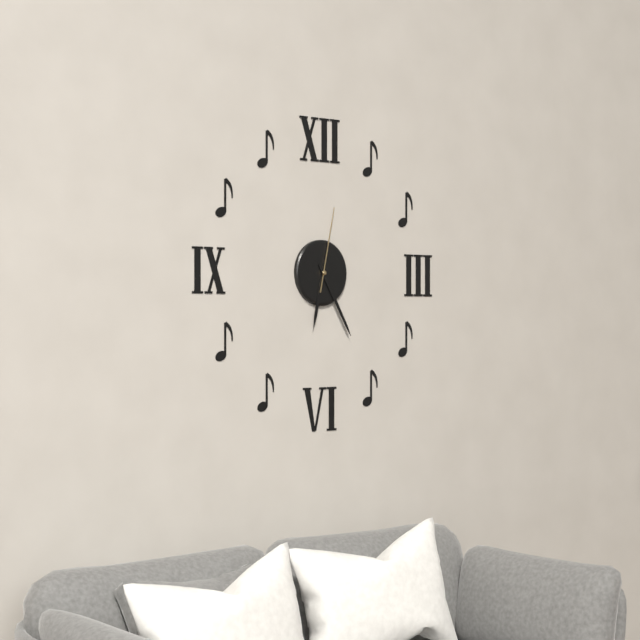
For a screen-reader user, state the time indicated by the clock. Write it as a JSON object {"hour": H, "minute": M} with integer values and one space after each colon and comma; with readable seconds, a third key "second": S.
{"hour": 6, "minute": 25, "second": 2}
